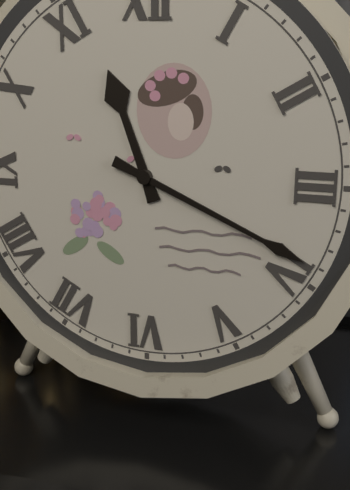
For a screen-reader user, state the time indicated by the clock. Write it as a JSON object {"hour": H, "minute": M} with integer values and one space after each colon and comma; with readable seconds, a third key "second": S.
{"hour": 11, "minute": 19}
